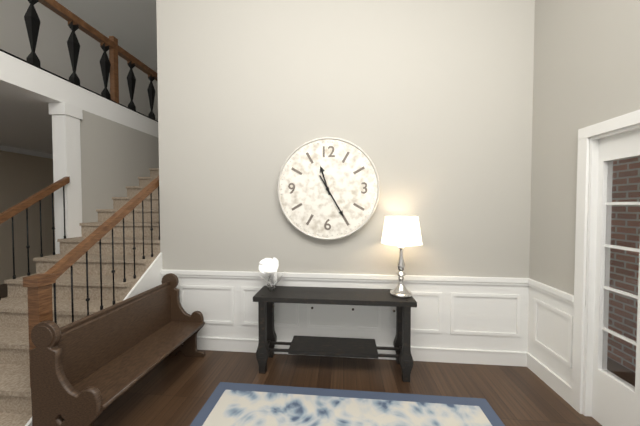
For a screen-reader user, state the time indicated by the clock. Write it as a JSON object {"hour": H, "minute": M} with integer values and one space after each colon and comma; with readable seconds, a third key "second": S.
{"hour": 11, "minute": 25}
